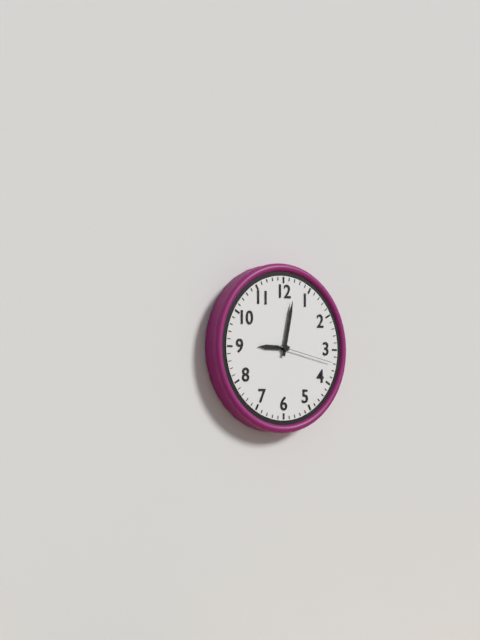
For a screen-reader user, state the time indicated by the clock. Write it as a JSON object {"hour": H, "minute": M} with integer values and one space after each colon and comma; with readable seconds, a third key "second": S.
{"hour": 9, "minute": 2, "second": 17}
